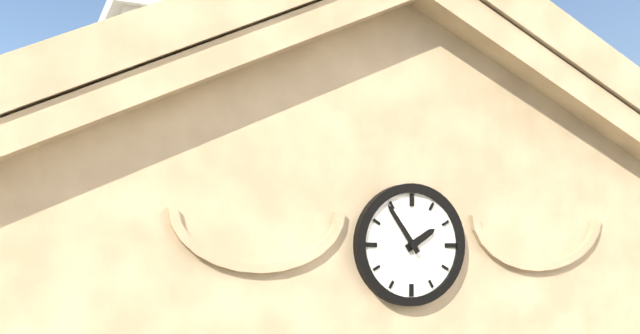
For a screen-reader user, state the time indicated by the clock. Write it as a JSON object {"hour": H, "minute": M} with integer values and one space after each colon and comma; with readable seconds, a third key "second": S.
{"hour": 1, "minute": 54}
